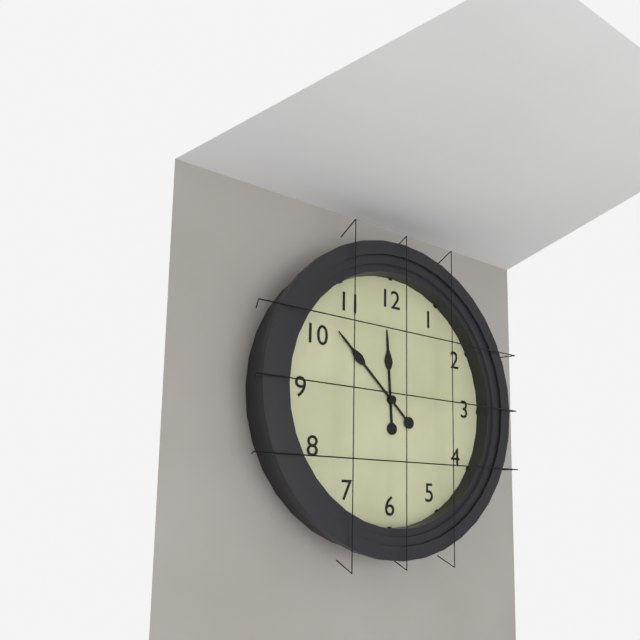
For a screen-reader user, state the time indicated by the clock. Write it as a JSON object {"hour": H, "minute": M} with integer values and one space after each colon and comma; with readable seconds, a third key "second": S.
{"hour": 11, "minute": 52}
